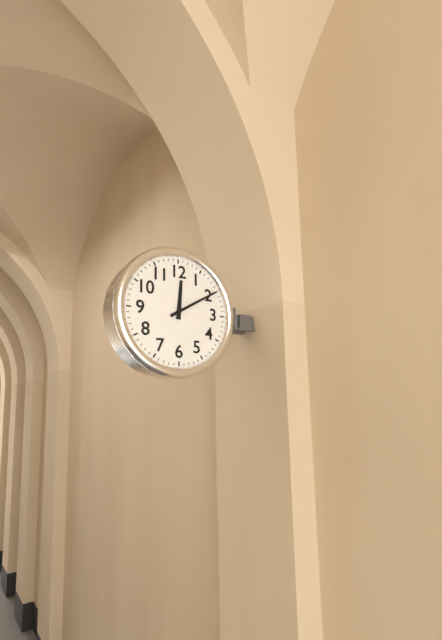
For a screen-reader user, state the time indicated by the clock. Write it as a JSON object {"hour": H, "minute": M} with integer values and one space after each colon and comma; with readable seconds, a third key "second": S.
{"hour": 12, "minute": 10}
